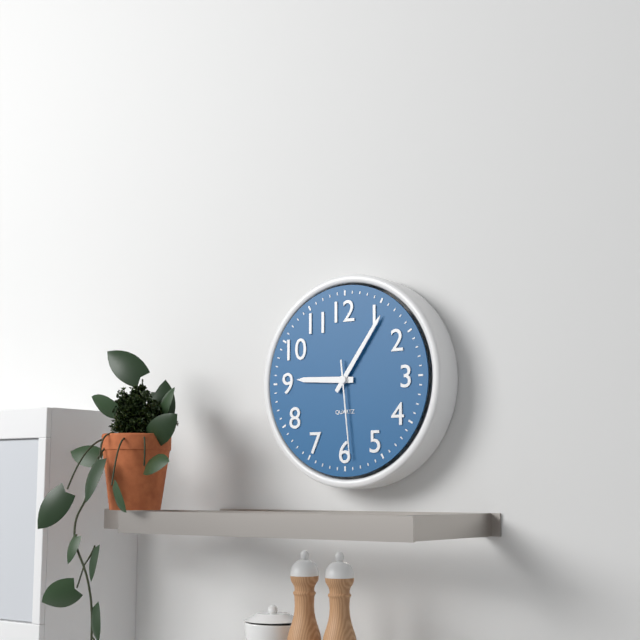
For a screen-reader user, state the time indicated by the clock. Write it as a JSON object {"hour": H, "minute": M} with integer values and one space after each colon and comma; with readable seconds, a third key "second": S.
{"hour": 9, "minute": 6, "second": 29}
